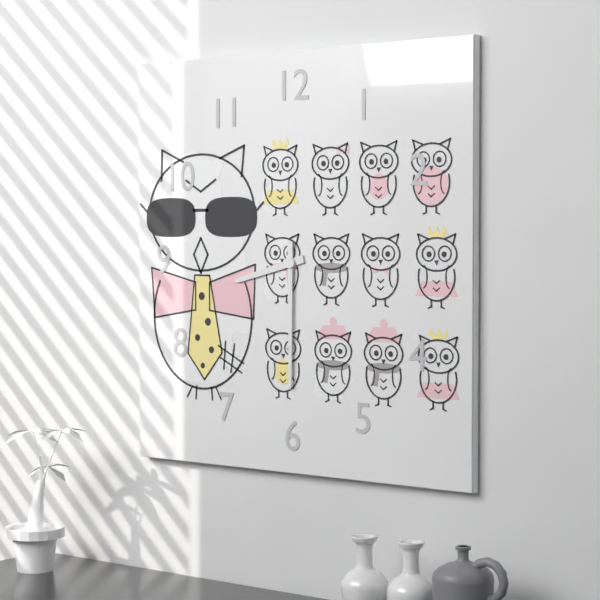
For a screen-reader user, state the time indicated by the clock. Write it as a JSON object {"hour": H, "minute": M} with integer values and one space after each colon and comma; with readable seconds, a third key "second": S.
{"hour": 8, "minute": 30}
